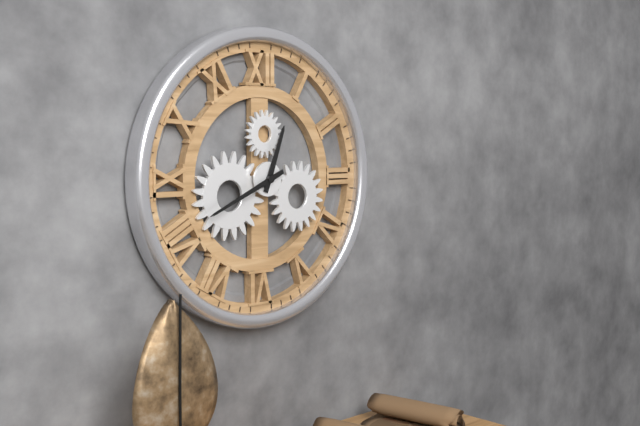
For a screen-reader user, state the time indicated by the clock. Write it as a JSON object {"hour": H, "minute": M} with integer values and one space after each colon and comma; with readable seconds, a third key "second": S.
{"hour": 12, "minute": 41}
